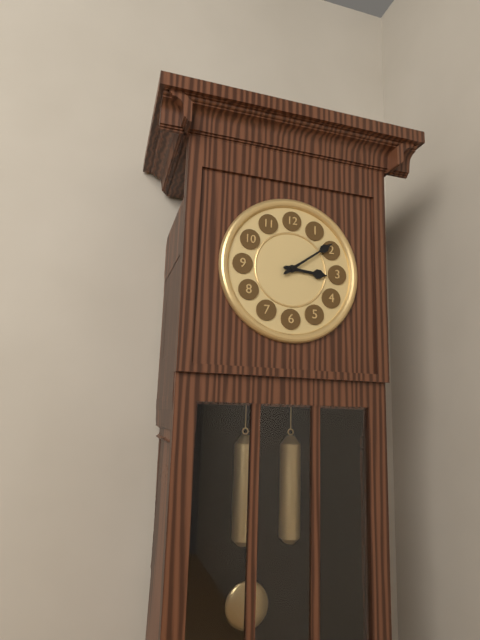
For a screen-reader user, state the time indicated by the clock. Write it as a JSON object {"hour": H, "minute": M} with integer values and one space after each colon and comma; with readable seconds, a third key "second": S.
{"hour": 3, "minute": 9}
